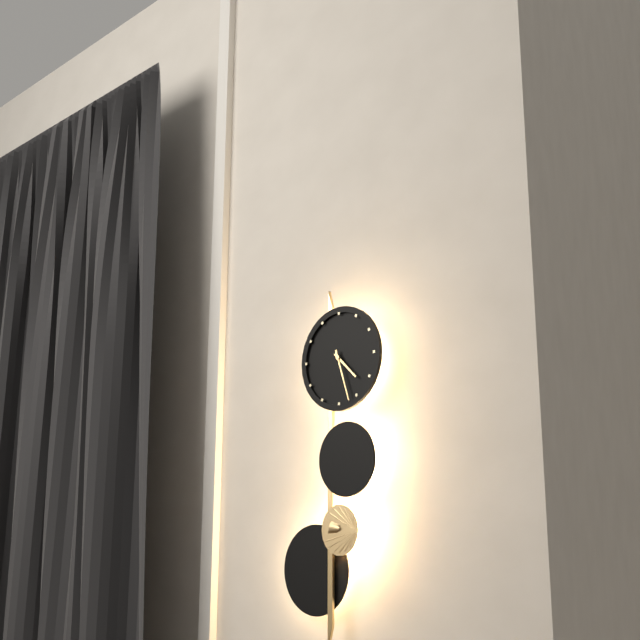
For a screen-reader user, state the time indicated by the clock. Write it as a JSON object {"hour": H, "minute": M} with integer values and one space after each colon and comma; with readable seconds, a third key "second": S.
{"hour": 4, "minute": 27}
